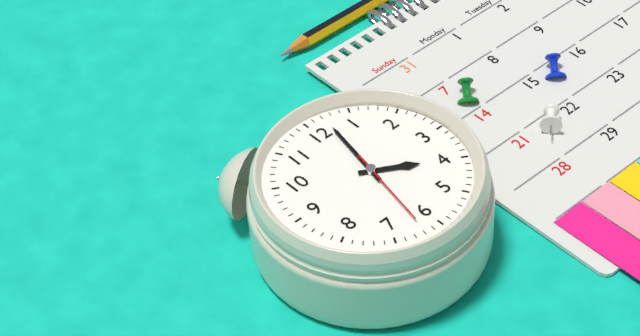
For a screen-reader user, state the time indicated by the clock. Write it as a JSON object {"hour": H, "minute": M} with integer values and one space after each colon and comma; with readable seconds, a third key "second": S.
{"hour": 4, "minute": 2, "second": 32}
